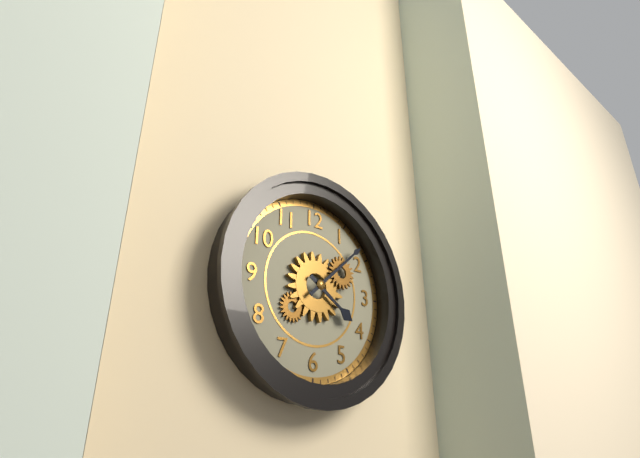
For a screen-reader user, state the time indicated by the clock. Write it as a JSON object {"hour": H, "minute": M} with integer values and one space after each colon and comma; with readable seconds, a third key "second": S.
{"hour": 4, "minute": 8}
